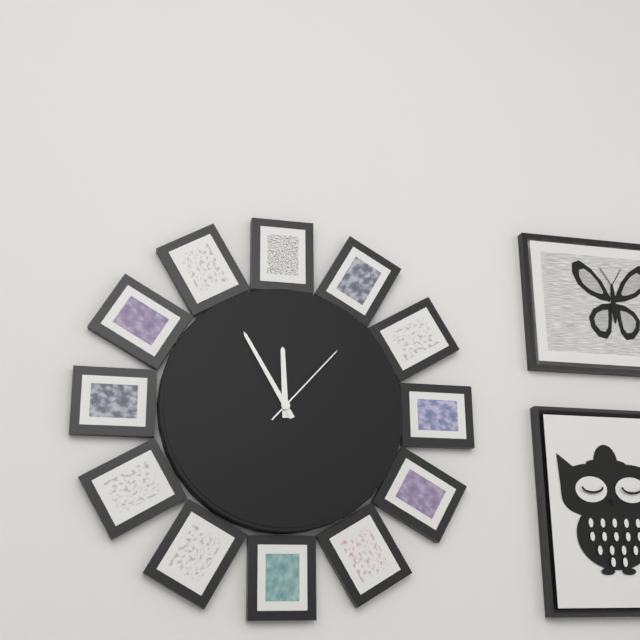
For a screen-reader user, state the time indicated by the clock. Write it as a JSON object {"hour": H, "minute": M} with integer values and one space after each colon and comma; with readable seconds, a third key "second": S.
{"hour": 11, "minute": 55, "second": 7}
